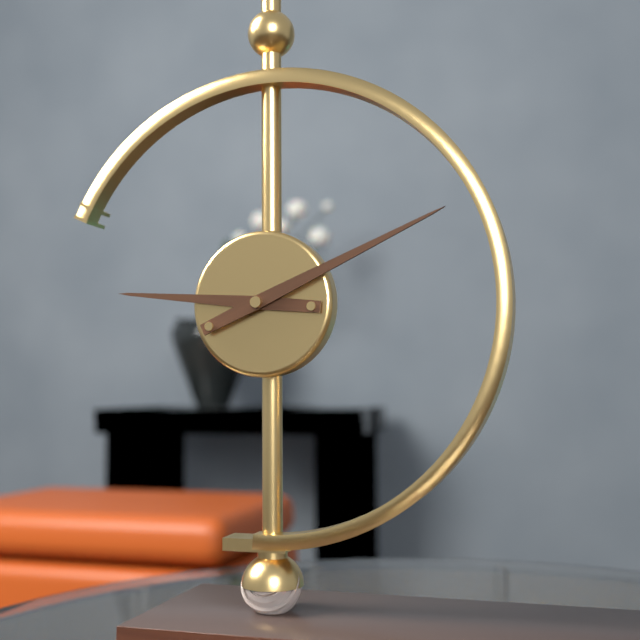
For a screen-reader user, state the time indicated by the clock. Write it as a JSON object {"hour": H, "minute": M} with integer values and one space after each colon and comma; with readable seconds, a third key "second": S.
{"hour": 9, "minute": 11}
